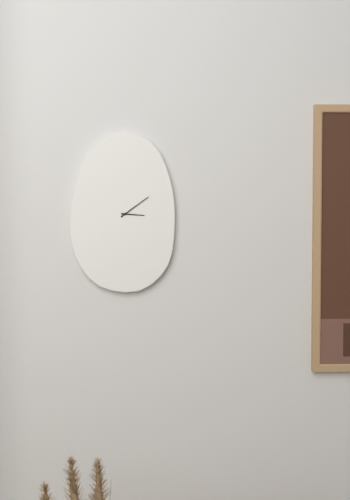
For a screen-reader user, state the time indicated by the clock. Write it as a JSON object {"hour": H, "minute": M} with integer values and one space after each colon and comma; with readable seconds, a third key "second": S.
{"hour": 3, "minute": 9}
